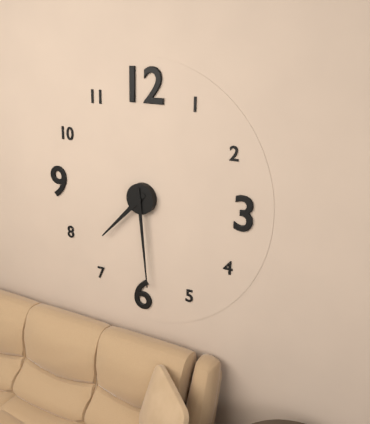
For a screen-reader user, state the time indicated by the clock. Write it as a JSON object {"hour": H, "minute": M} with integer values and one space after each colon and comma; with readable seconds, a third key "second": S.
{"hour": 7, "minute": 29}
